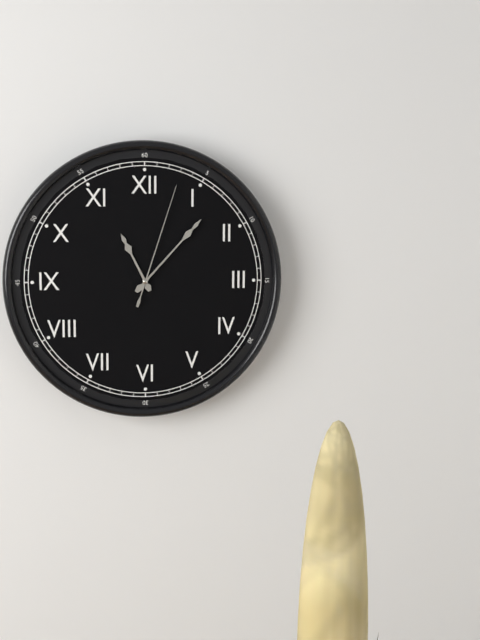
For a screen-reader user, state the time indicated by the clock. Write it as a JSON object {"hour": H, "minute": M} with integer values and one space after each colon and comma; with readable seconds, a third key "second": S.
{"hour": 11, "minute": 7, "second": 3}
